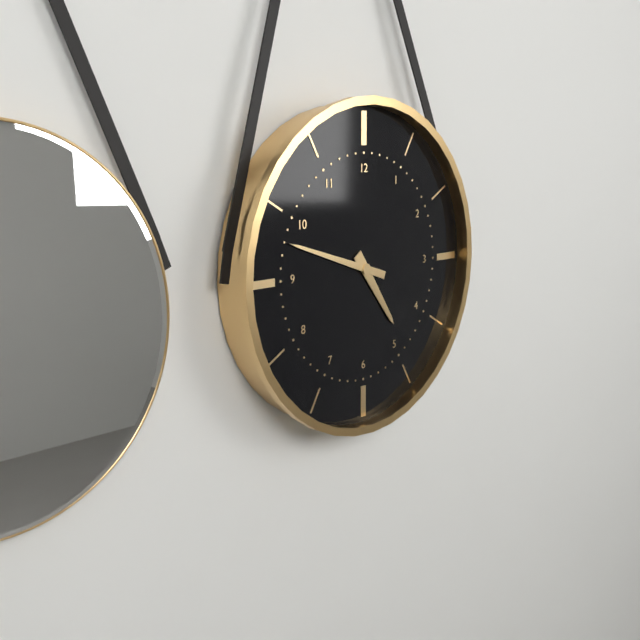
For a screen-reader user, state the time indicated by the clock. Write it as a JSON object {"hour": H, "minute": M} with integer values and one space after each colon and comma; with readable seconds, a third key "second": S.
{"hour": 4, "minute": 48}
